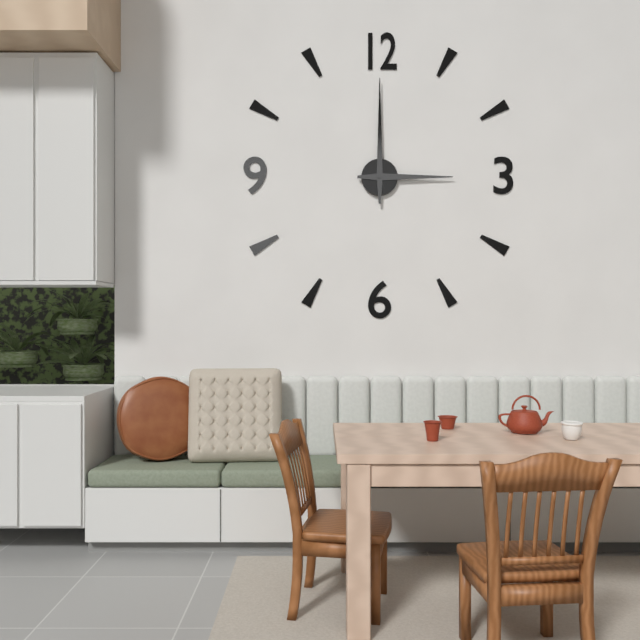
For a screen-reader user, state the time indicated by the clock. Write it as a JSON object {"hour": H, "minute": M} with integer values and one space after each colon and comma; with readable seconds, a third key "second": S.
{"hour": 3, "minute": 0}
